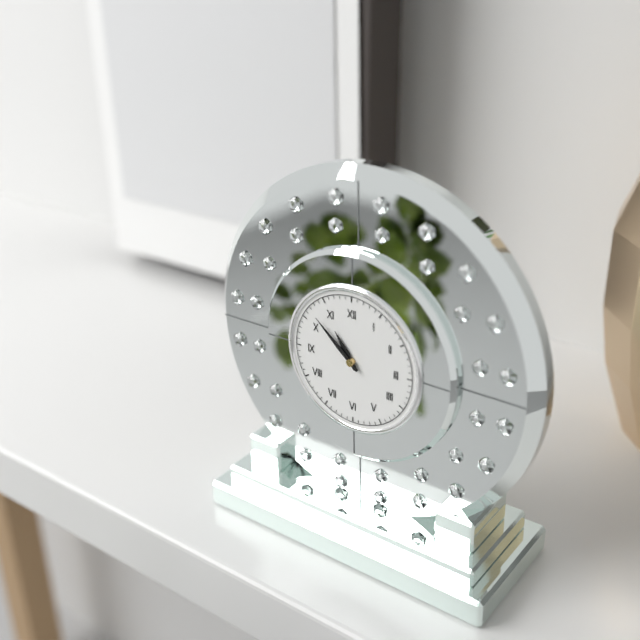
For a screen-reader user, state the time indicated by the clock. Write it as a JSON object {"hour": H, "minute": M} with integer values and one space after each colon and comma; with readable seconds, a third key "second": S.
{"hour": 10, "minute": 52}
